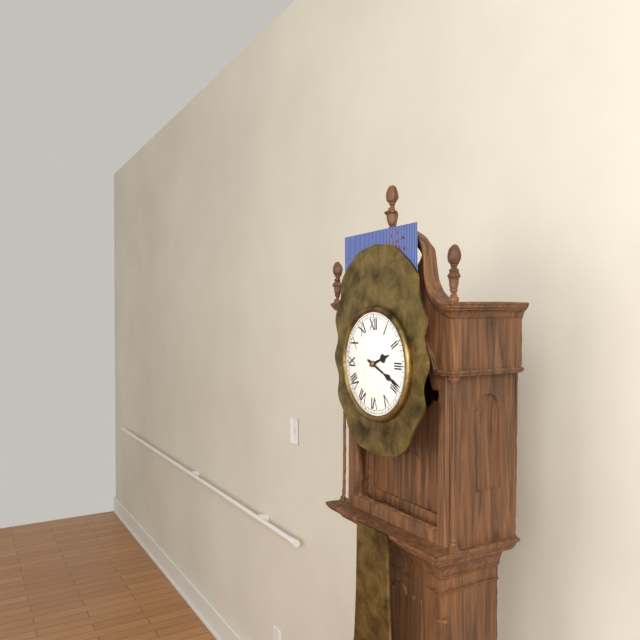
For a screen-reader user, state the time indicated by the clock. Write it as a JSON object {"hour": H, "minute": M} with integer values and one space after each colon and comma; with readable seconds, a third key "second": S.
{"hour": 2, "minute": 19}
